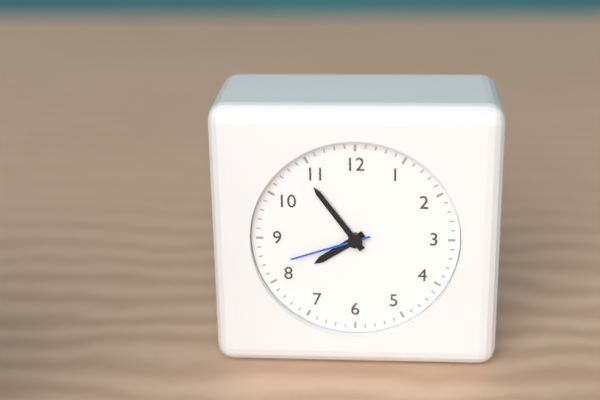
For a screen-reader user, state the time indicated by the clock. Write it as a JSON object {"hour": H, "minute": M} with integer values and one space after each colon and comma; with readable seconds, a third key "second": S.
{"hour": 7, "minute": 54, "second": 42}
